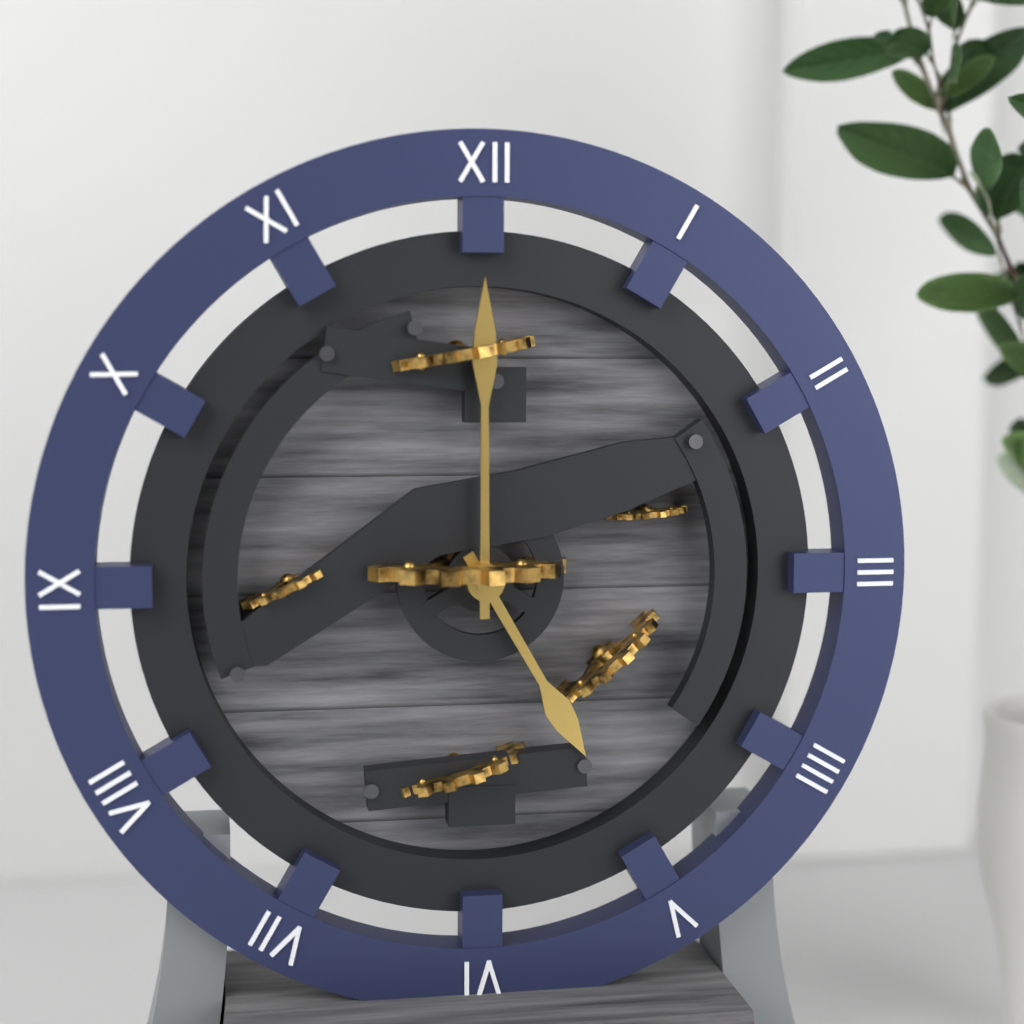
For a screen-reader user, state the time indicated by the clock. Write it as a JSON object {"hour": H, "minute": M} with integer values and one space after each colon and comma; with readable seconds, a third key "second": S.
{"hour": 5, "minute": 0}
